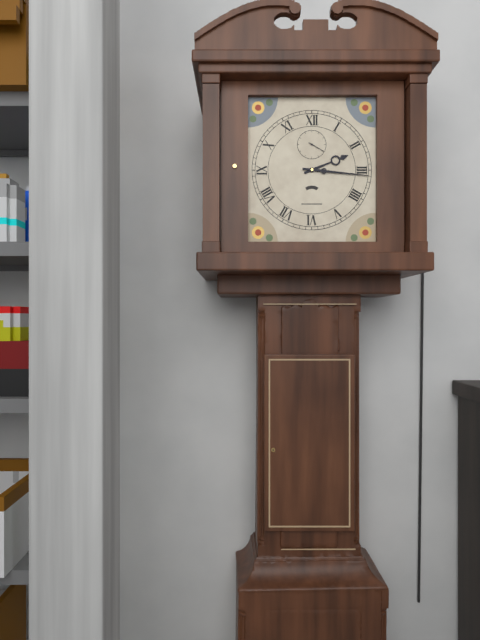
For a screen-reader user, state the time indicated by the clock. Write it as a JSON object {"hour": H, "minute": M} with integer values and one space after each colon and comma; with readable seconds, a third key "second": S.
{"hour": 2, "minute": 16}
